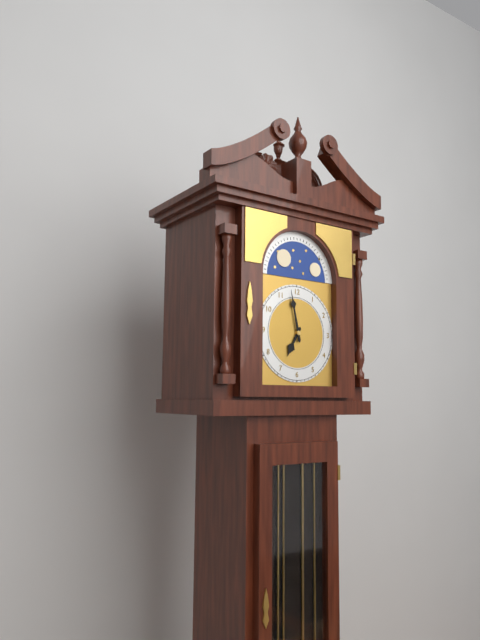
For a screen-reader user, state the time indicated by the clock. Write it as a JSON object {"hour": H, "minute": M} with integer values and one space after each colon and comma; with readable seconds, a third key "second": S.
{"hour": 6, "minute": 58}
